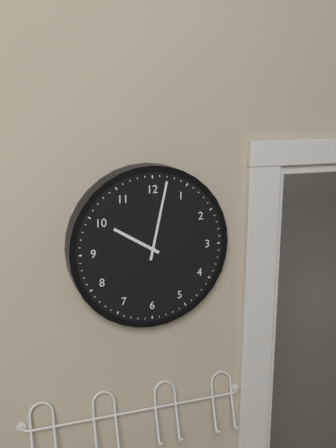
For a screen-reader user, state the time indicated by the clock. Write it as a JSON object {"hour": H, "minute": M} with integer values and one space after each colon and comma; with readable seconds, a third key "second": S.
{"hour": 10, "minute": 2}
